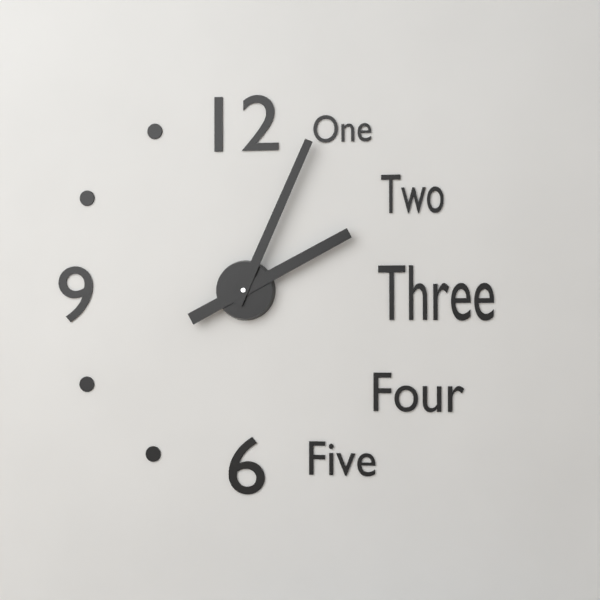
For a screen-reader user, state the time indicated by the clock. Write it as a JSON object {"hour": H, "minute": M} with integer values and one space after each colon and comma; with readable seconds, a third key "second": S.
{"hour": 2, "minute": 4}
